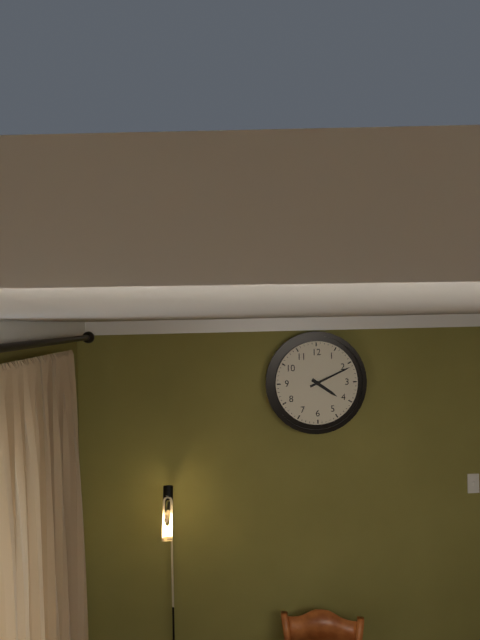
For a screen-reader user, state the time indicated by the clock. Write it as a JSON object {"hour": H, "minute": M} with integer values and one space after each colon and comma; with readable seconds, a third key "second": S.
{"hour": 4, "minute": 11}
